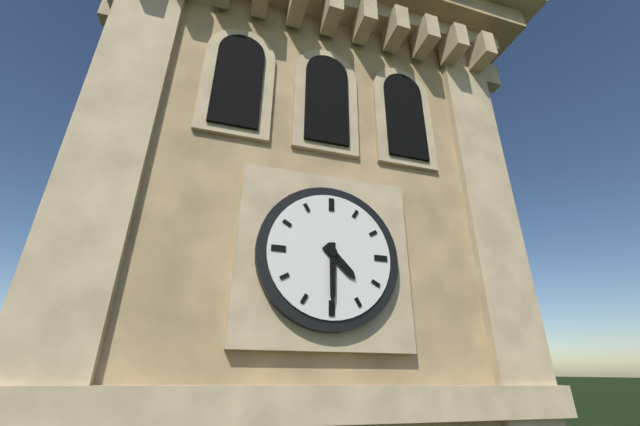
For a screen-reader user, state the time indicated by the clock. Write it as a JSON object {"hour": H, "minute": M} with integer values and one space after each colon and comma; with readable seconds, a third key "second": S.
{"hour": 4, "minute": 30}
